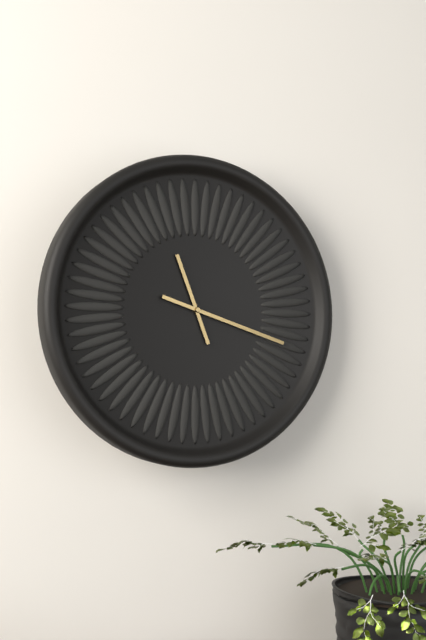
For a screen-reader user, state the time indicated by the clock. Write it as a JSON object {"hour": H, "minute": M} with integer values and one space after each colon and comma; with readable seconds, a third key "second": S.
{"hour": 11, "minute": 18}
